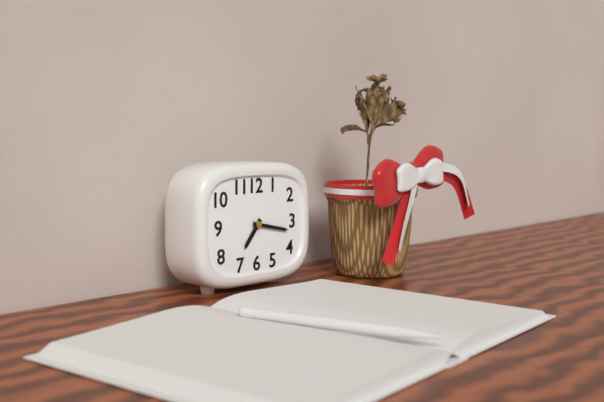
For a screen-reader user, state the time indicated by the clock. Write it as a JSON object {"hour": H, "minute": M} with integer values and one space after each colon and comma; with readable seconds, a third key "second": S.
{"hour": 7, "minute": 17}
